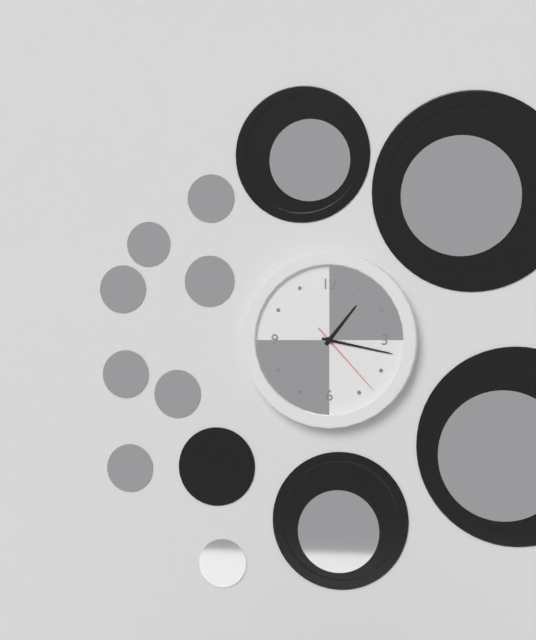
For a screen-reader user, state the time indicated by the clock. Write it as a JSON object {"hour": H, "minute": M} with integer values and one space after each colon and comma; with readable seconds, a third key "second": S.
{"hour": 1, "minute": 17, "second": 23}
